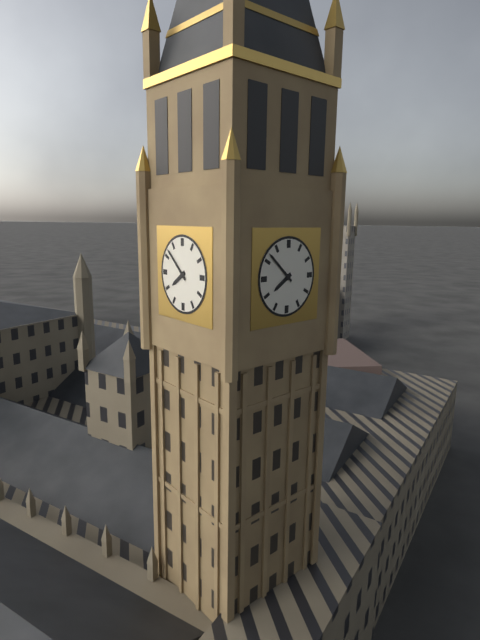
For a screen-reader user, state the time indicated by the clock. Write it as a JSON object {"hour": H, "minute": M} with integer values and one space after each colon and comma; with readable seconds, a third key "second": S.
{"hour": 7, "minute": 52}
